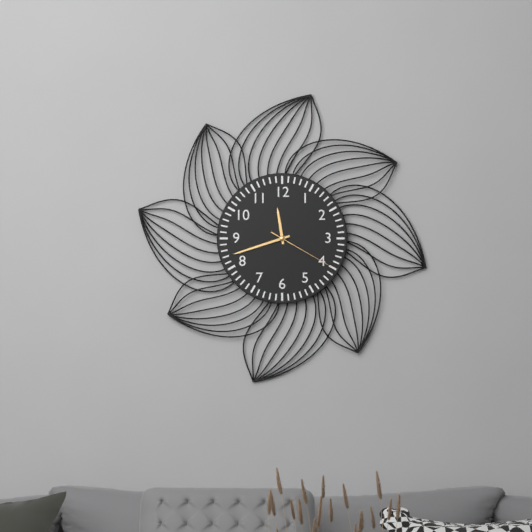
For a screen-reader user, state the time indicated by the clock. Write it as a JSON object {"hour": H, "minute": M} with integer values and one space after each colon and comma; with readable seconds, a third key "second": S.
{"hour": 11, "minute": 42, "second": 20}
